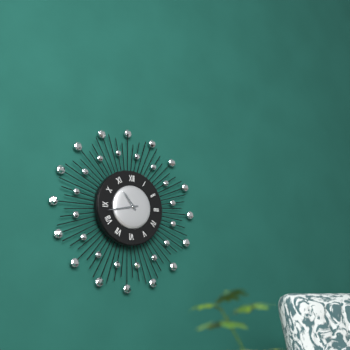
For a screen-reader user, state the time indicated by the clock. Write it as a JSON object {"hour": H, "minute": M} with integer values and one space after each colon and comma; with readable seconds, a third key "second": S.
{"hour": 10, "minute": 43}
